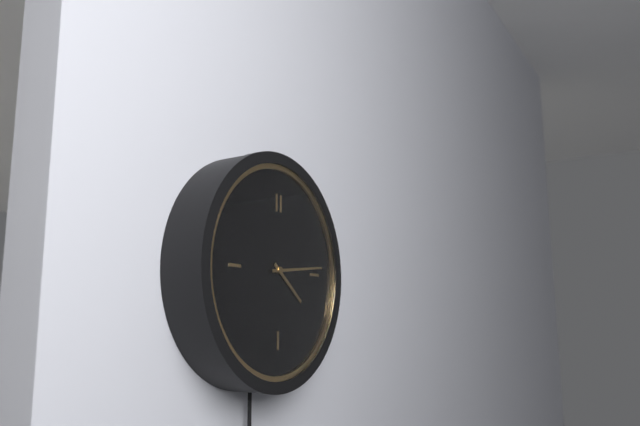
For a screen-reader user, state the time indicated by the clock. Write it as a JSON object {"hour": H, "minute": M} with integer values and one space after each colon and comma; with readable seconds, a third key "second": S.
{"hour": 4, "minute": 14}
